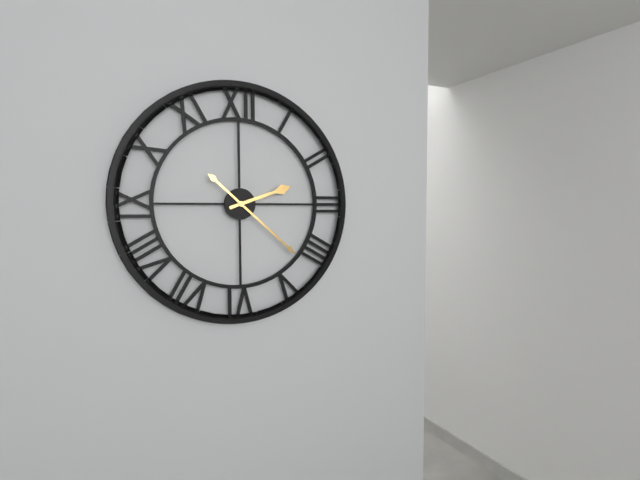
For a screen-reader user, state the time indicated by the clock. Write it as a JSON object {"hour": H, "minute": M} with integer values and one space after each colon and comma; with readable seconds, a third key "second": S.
{"hour": 2, "minute": 22}
